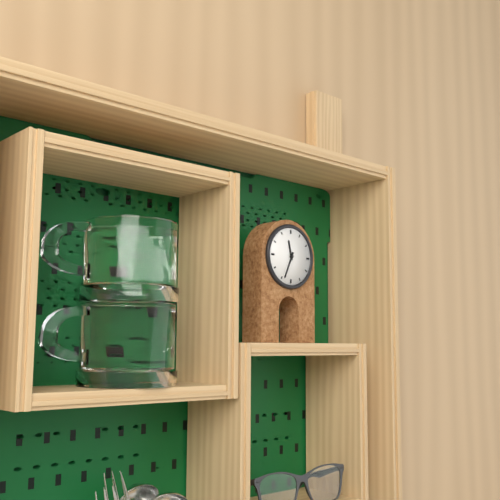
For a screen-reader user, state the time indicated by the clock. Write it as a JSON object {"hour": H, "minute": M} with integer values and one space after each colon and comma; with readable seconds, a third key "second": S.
{"hour": 11, "minute": 34}
